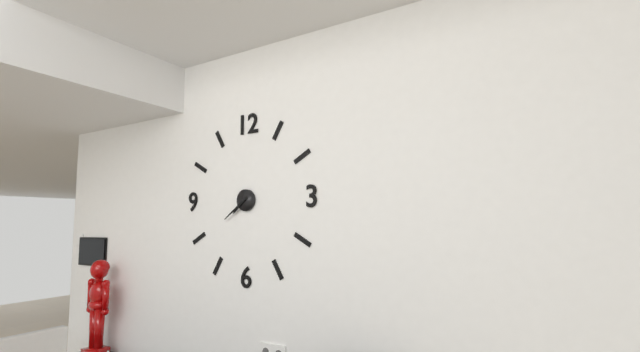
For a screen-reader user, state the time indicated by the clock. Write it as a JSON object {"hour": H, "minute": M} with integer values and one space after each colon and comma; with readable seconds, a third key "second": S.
{"hour": 7, "minute": 39}
